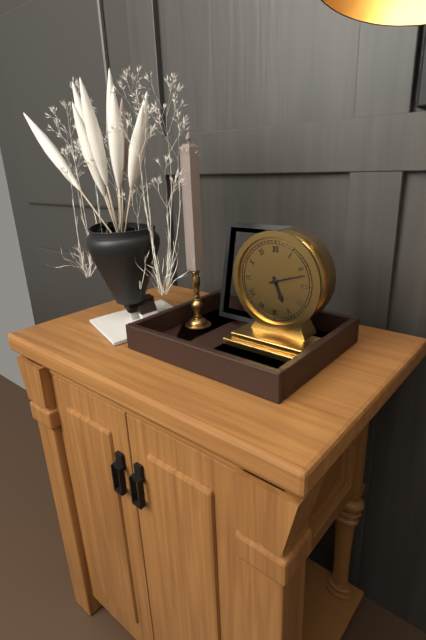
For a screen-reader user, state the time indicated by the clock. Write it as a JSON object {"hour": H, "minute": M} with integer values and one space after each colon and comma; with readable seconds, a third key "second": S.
{"hour": 5, "minute": 12}
